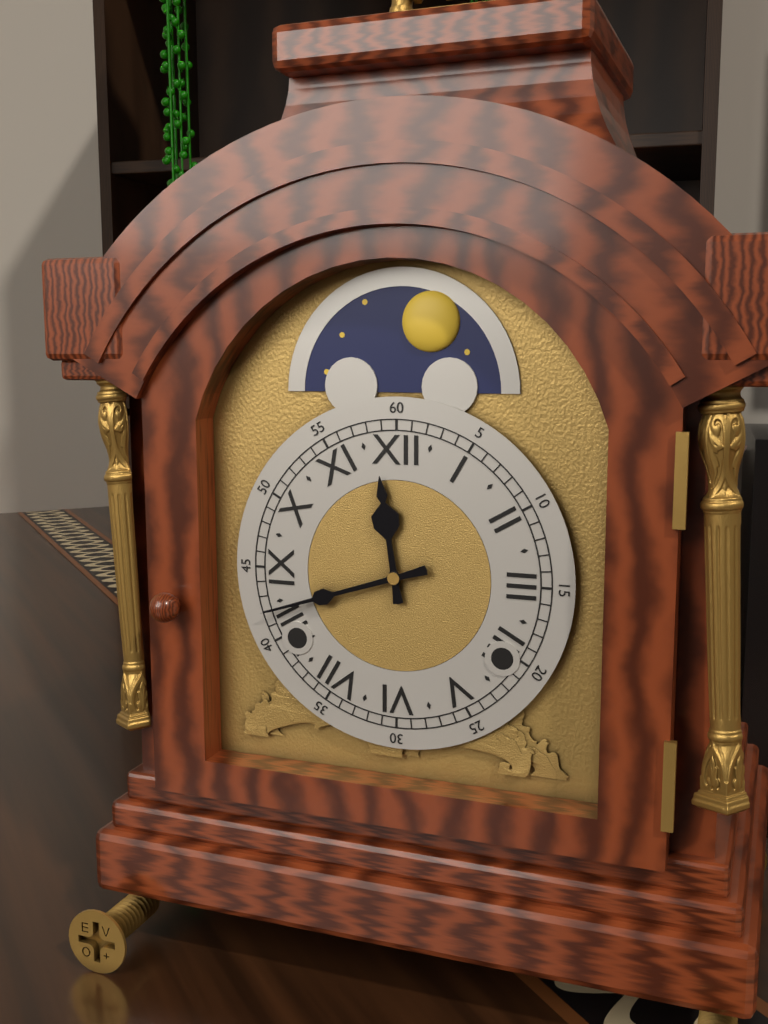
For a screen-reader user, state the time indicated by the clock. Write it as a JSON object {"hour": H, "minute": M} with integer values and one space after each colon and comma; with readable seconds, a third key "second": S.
{"hour": 11, "minute": 42}
